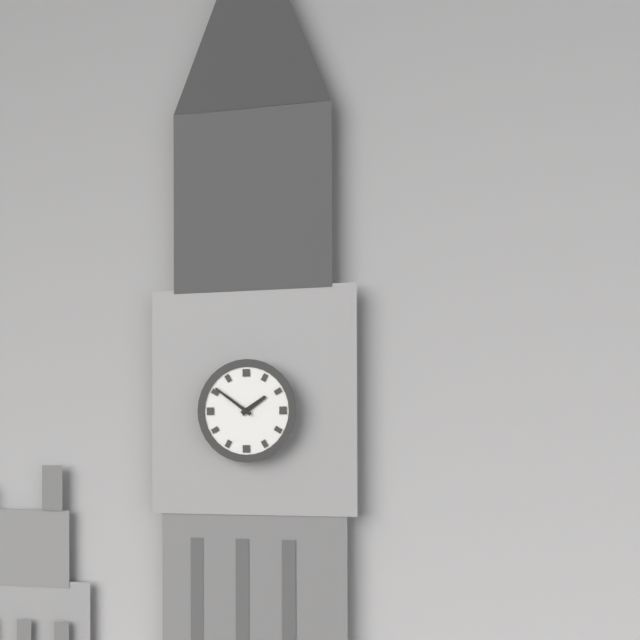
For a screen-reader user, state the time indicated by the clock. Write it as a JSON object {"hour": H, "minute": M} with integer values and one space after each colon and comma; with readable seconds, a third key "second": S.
{"hour": 1, "minute": 51}
